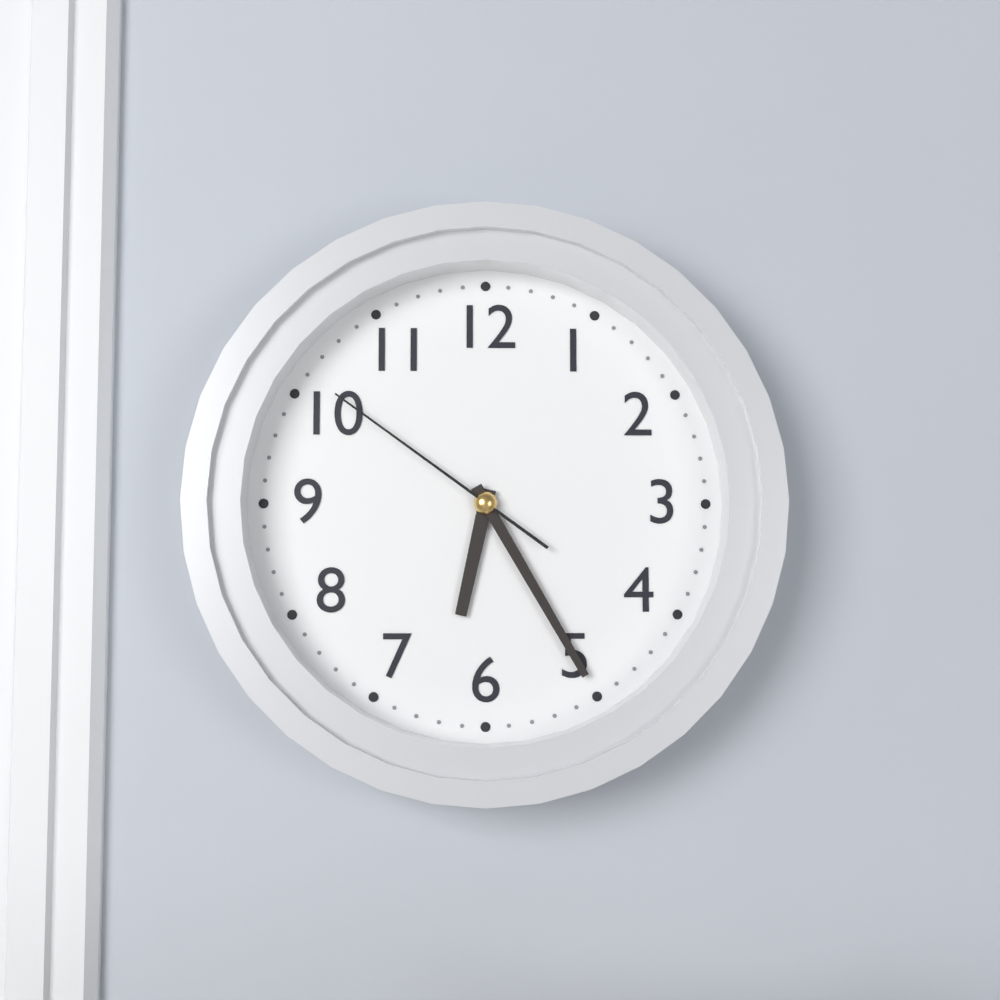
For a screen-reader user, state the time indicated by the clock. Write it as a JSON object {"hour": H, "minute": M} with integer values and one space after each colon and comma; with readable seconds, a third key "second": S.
{"hour": 6, "minute": 25, "second": 51}
